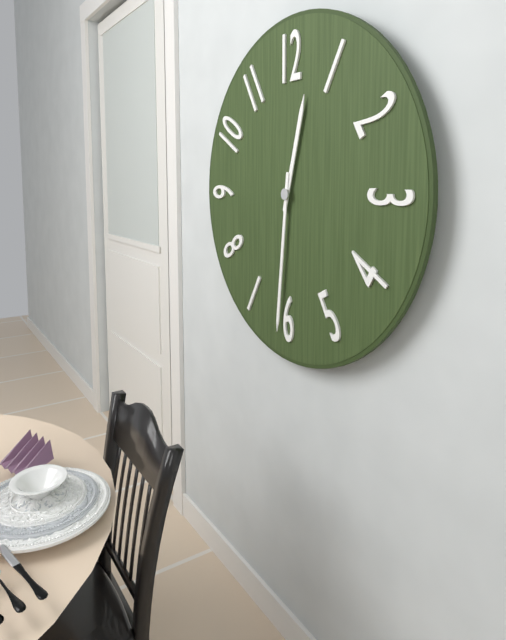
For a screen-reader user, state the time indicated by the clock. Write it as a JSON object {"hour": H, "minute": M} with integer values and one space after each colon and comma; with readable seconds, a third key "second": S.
{"hour": 12, "minute": 31}
